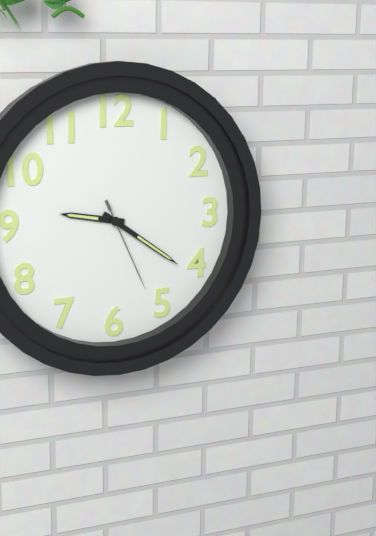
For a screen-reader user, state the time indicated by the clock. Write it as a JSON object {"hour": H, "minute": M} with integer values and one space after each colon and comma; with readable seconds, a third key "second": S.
{"hour": 9, "minute": 21, "second": 26}
